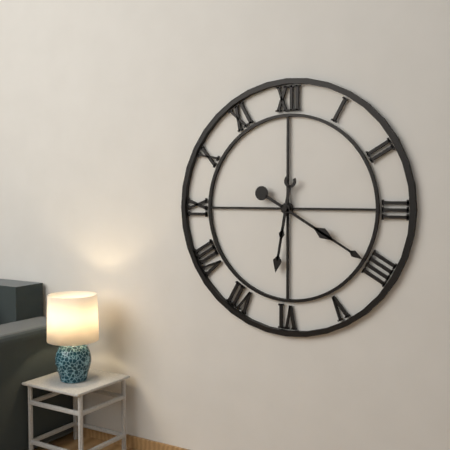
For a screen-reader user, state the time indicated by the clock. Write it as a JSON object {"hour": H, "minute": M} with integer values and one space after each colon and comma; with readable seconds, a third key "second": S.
{"hour": 6, "minute": 20}
